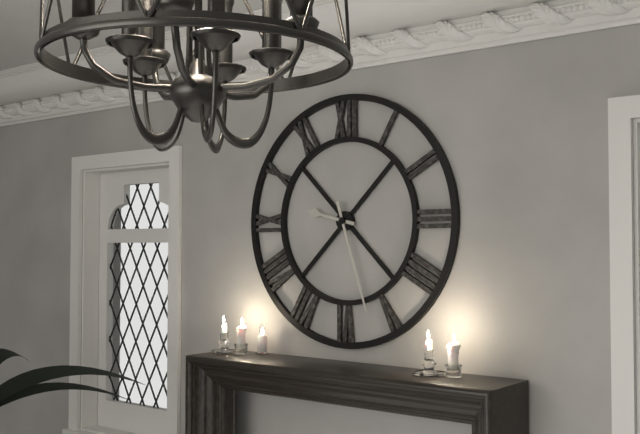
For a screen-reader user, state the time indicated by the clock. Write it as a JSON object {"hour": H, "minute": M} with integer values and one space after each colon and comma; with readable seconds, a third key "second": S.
{"hour": 9, "minute": 27}
